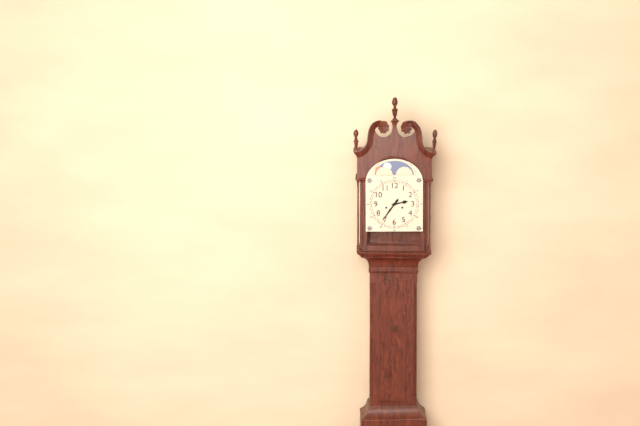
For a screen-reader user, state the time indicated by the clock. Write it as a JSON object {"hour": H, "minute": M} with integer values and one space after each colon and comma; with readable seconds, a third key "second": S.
{"hour": 2, "minute": 36}
